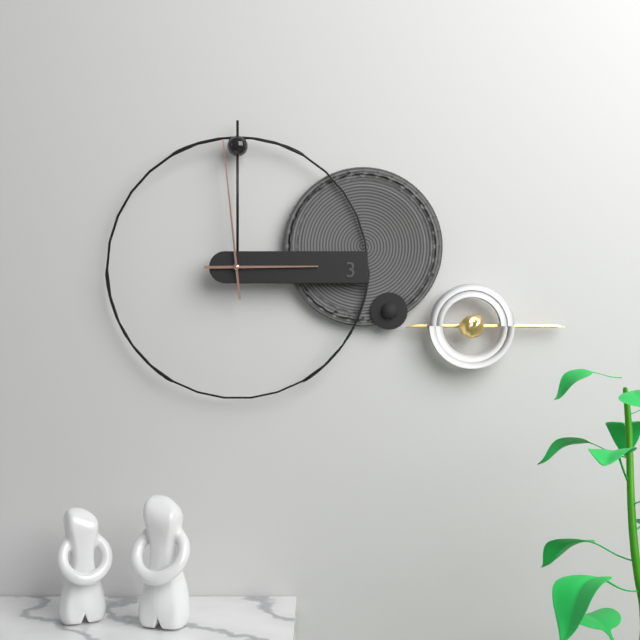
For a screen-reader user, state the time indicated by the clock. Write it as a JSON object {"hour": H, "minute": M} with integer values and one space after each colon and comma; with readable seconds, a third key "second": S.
{"hour": 2, "minute": 59}
